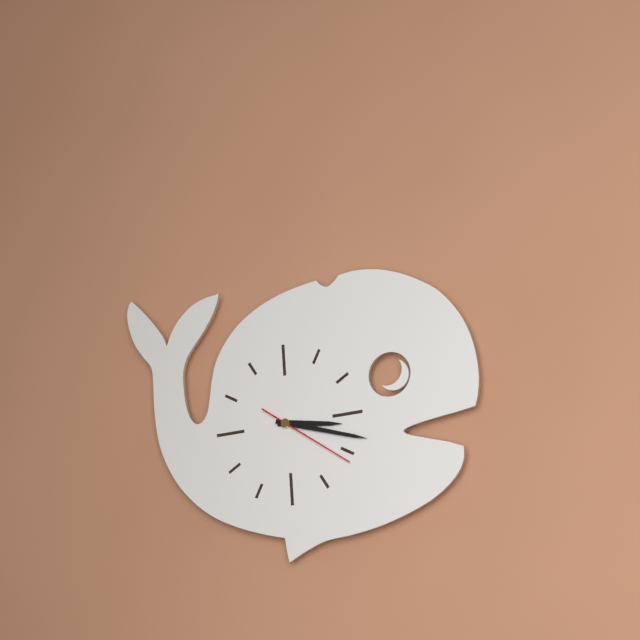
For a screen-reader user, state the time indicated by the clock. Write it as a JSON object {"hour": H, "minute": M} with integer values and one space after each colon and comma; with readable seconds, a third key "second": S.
{"hour": 3, "minute": 18, "second": 21}
